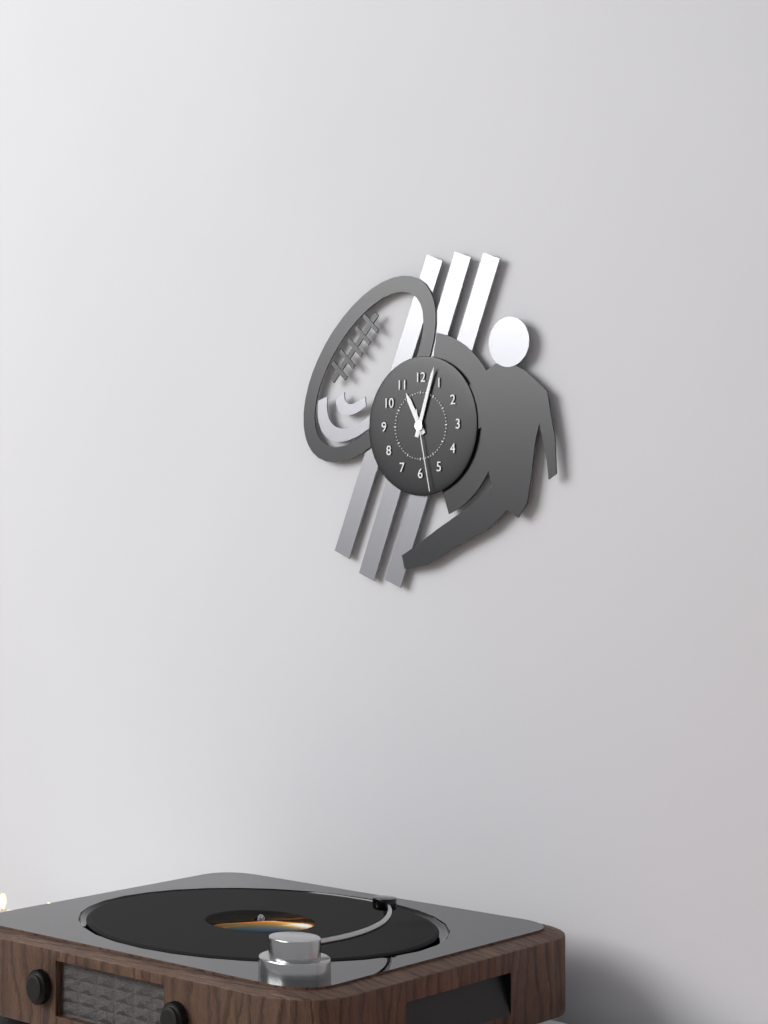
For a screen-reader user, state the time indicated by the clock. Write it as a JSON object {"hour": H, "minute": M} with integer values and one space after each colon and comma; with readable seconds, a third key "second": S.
{"hour": 11, "minute": 3, "second": 28}
